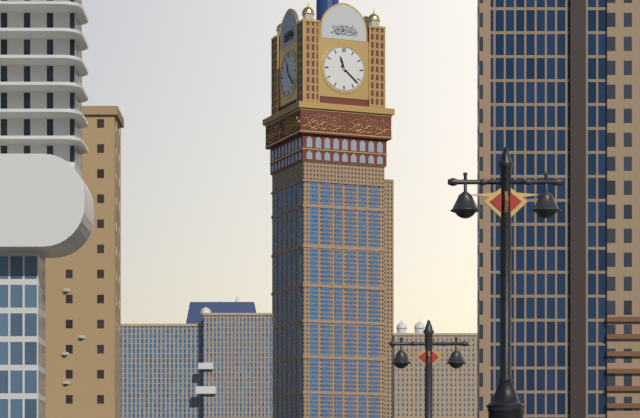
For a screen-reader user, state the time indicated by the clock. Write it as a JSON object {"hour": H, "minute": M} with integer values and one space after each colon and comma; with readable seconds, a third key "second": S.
{"hour": 11, "minute": 22}
